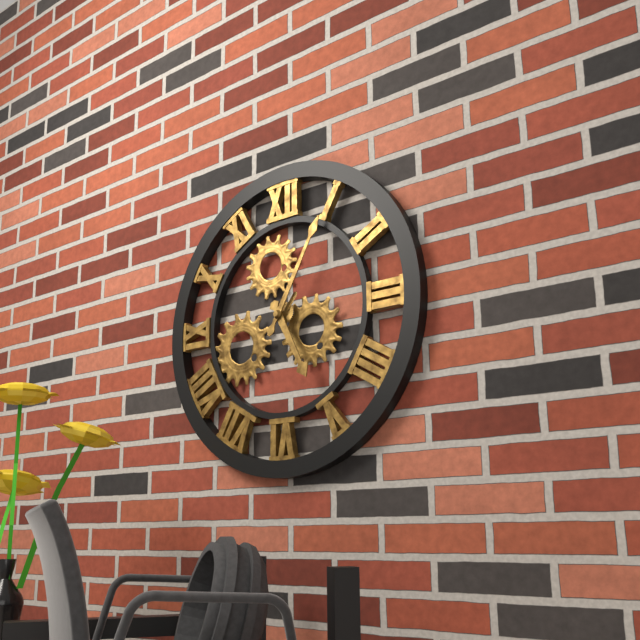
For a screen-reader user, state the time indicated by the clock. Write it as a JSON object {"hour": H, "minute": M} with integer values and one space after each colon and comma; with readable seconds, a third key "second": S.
{"hour": 5, "minute": 5}
